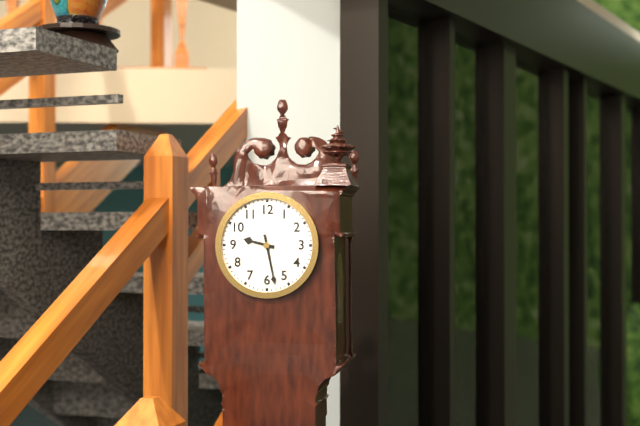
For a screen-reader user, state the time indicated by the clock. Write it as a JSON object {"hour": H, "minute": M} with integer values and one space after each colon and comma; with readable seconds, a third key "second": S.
{"hour": 9, "minute": 28}
